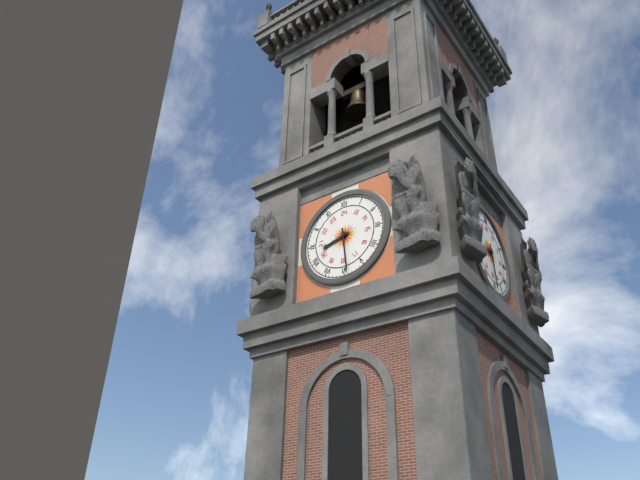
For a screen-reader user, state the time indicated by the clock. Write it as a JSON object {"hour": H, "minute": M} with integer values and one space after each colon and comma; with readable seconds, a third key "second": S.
{"hour": 8, "minute": 29}
